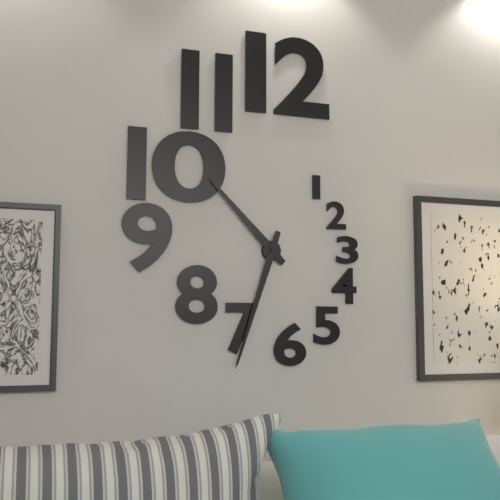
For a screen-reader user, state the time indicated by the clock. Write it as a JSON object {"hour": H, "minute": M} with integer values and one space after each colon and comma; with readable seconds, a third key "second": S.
{"hour": 10, "minute": 33}
